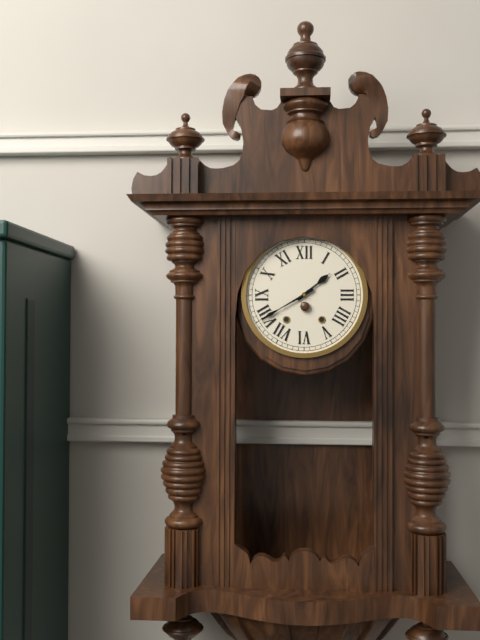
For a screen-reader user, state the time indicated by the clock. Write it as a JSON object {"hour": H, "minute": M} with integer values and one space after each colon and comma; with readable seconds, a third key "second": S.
{"hour": 1, "minute": 40}
